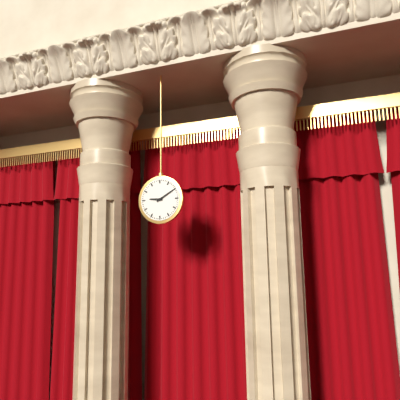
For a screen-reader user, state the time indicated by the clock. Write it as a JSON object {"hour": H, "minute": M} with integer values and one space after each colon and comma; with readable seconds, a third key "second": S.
{"hour": 9, "minute": 10}
